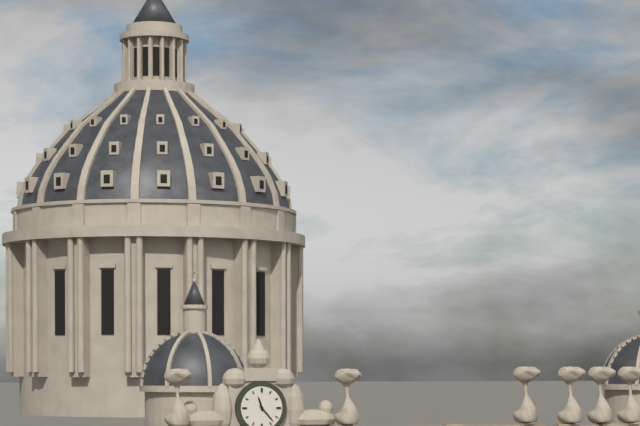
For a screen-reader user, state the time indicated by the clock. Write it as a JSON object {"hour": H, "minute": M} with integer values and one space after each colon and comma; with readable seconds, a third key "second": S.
{"hour": 11, "minute": 23}
